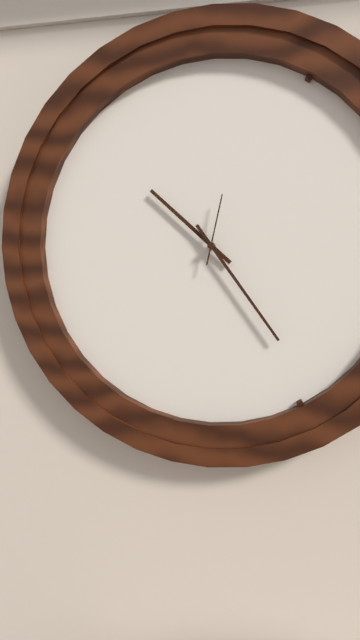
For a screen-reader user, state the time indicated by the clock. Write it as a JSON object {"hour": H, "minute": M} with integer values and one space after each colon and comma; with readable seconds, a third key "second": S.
{"hour": 10, "minute": 24, "second": 2}
